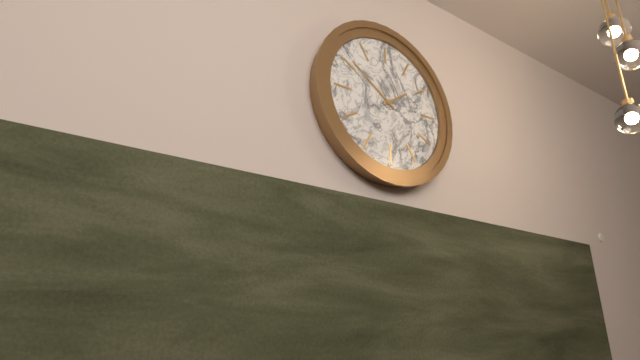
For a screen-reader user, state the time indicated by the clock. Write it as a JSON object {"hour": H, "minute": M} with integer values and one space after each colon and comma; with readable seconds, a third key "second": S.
{"hour": 1, "minute": 51}
